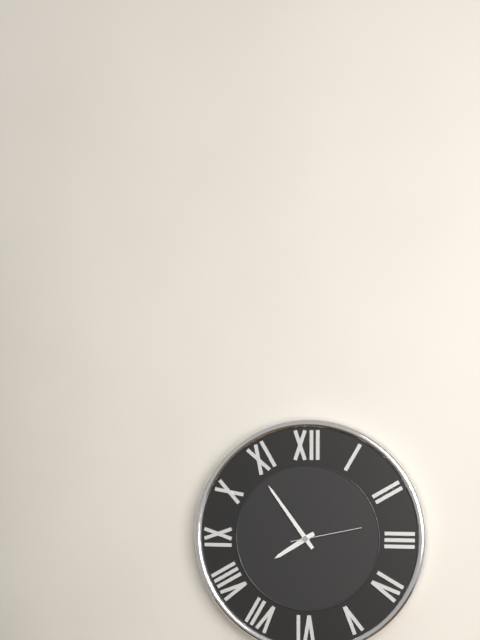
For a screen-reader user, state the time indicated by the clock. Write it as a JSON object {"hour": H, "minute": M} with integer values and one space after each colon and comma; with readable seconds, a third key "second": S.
{"hour": 7, "minute": 54, "second": 13}
